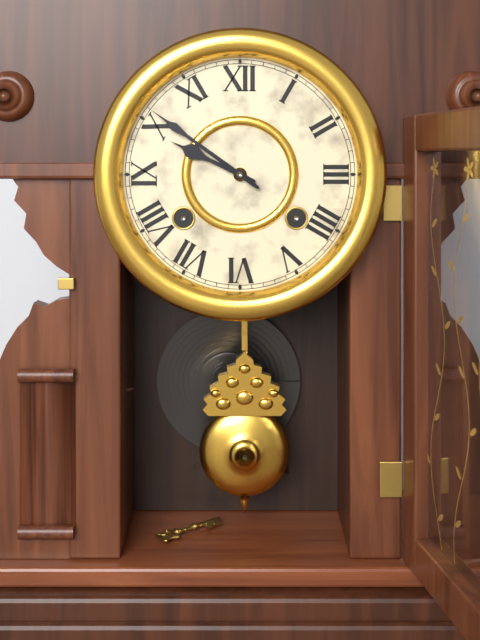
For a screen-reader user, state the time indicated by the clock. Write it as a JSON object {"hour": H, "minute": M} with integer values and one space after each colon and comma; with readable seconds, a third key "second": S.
{"hour": 9, "minute": 51}
